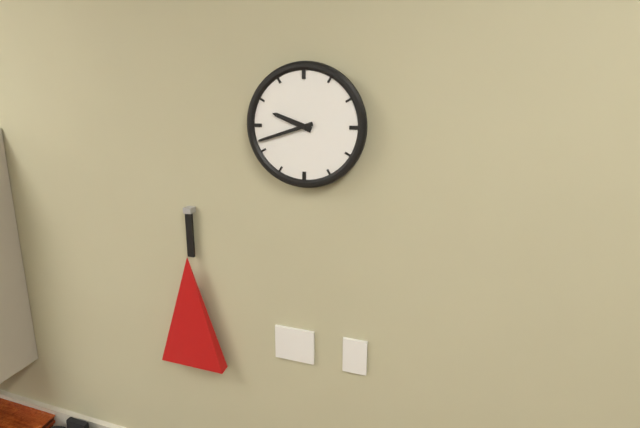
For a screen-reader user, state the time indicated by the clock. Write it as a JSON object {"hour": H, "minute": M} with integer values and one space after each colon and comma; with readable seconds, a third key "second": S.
{"hour": 9, "minute": 42}
